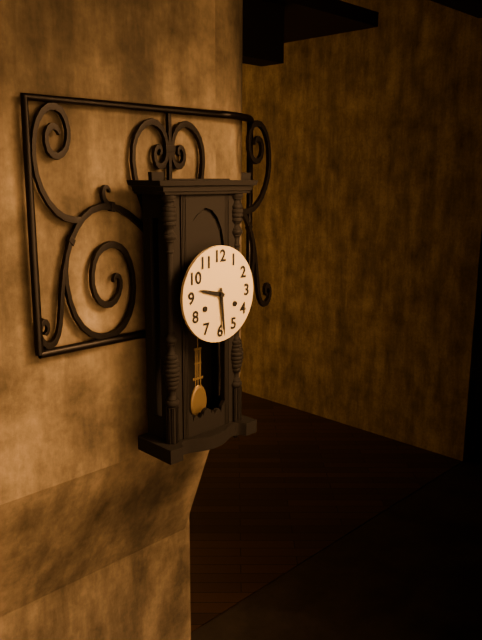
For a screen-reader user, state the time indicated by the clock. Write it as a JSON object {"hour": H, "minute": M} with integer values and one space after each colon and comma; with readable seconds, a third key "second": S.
{"hour": 9, "minute": 29}
